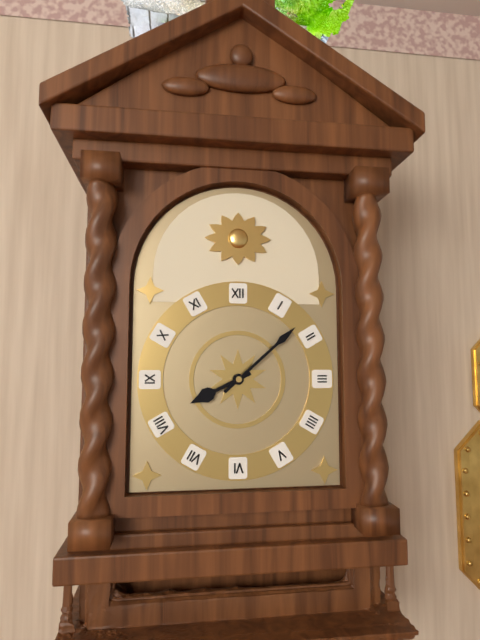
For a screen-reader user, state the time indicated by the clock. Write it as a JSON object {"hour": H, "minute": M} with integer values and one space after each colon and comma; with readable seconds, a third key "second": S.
{"hour": 8, "minute": 8}
